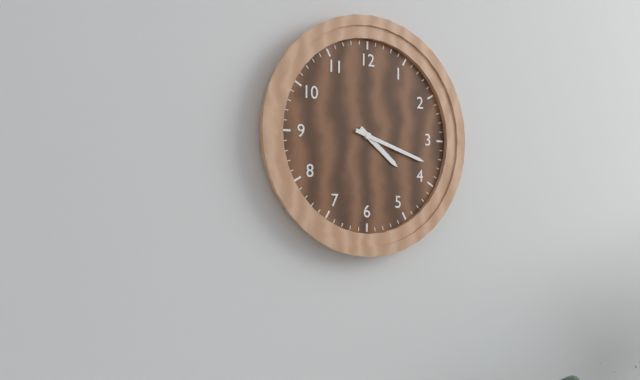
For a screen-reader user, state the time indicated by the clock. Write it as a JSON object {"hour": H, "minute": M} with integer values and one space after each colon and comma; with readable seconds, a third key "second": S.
{"hour": 4, "minute": 18}
